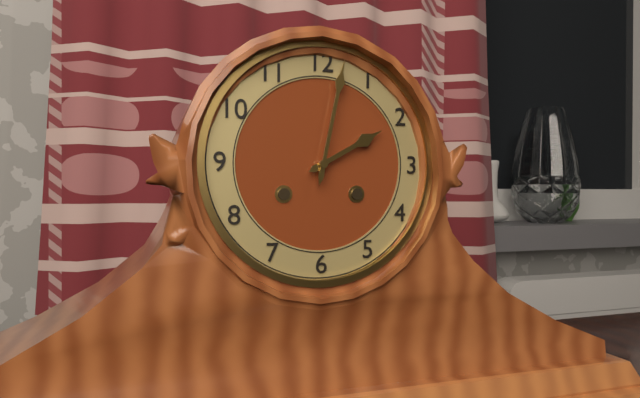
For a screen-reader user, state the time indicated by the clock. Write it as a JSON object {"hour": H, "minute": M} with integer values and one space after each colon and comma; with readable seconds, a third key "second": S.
{"hour": 2, "minute": 2}
